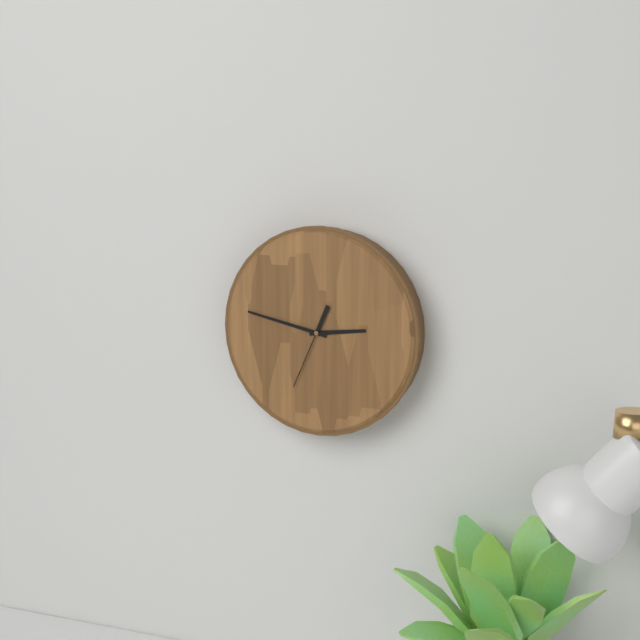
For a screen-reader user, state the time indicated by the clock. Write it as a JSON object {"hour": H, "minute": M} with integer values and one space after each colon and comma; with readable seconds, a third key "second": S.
{"hour": 2, "minute": 47, "second": 34}
